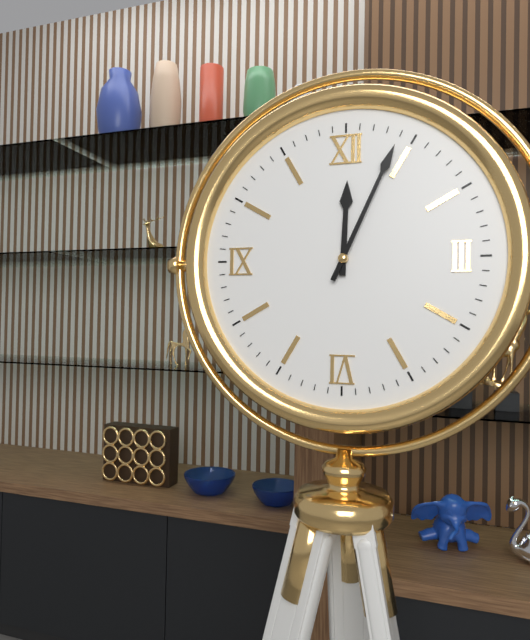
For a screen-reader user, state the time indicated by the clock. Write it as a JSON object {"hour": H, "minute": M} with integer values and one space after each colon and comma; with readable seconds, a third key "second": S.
{"hour": 12, "minute": 4}
